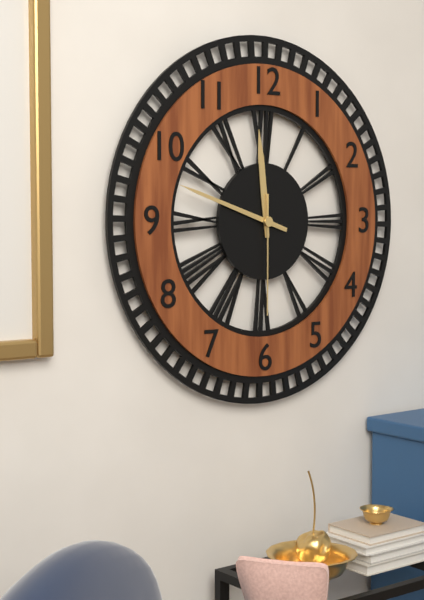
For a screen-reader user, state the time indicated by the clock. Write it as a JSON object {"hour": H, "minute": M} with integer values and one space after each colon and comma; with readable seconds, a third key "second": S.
{"hour": 11, "minute": 48, "second": 30}
